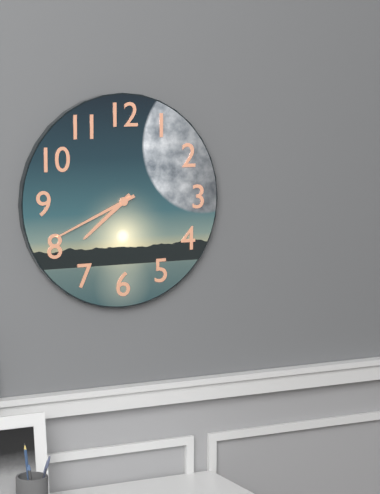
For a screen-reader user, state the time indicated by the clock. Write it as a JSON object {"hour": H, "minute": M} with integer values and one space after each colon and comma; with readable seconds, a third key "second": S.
{"hour": 7, "minute": 41}
